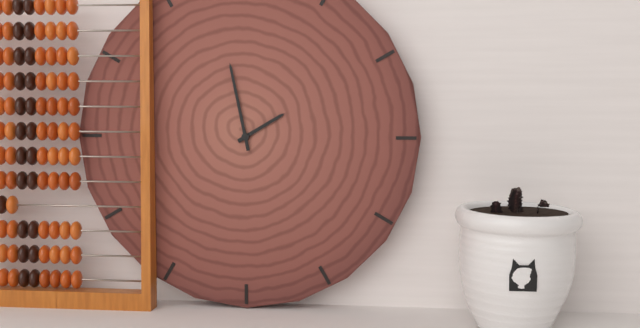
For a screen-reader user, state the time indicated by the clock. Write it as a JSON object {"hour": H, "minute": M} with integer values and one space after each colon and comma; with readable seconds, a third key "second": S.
{"hour": 1, "minute": 58}
